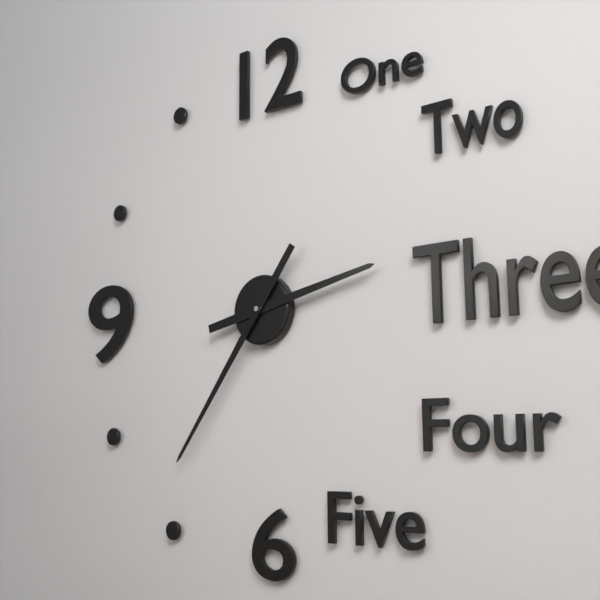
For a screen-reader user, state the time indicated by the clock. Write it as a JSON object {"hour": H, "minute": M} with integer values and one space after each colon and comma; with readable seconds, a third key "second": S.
{"hour": 2, "minute": 36}
